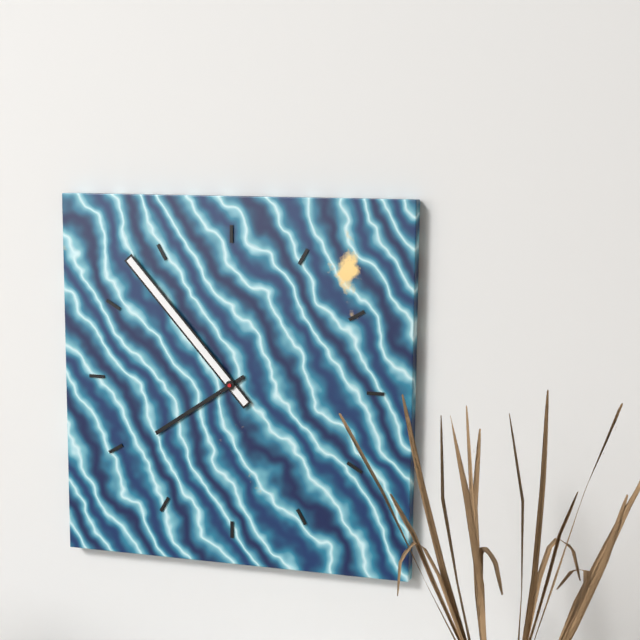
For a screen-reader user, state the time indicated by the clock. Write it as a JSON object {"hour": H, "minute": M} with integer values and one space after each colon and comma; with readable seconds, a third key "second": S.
{"hour": 7, "minute": 53}
